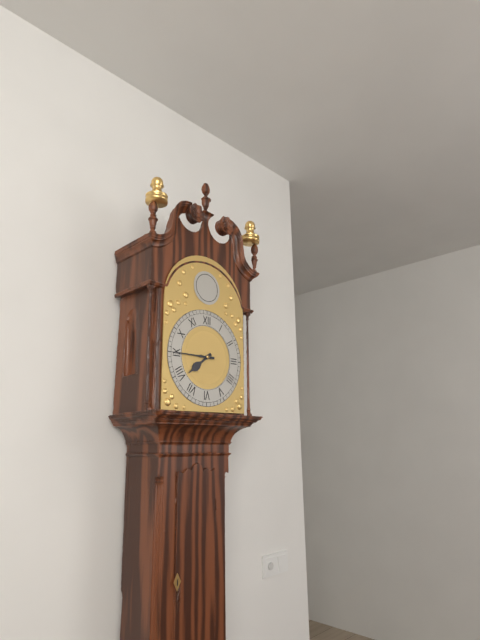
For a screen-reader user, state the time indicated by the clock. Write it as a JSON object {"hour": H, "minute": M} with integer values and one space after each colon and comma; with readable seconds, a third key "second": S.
{"hour": 7, "minute": 45}
